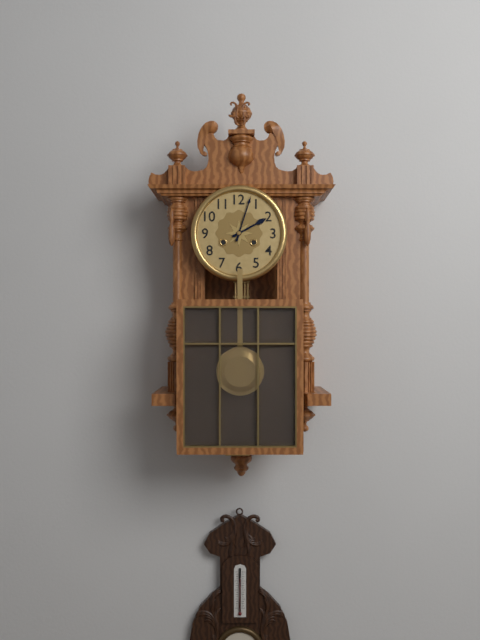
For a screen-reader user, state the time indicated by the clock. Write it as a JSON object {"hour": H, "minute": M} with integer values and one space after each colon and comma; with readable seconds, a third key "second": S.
{"hour": 2, "minute": 3}
